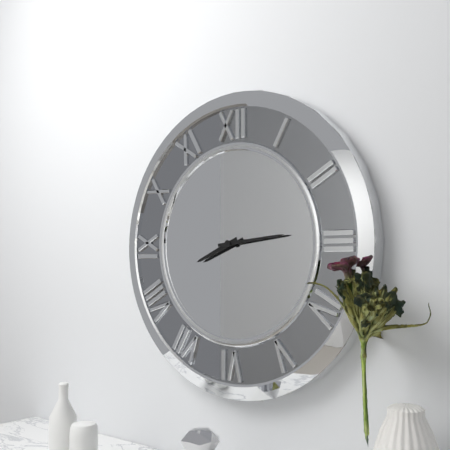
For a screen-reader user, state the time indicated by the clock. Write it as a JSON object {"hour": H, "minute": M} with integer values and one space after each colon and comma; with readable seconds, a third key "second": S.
{"hour": 8, "minute": 14}
